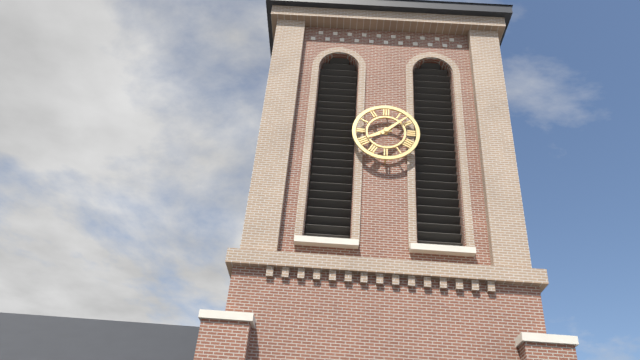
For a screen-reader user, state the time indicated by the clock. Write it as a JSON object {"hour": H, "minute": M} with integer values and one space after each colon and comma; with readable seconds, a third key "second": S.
{"hour": 8, "minute": 8}
